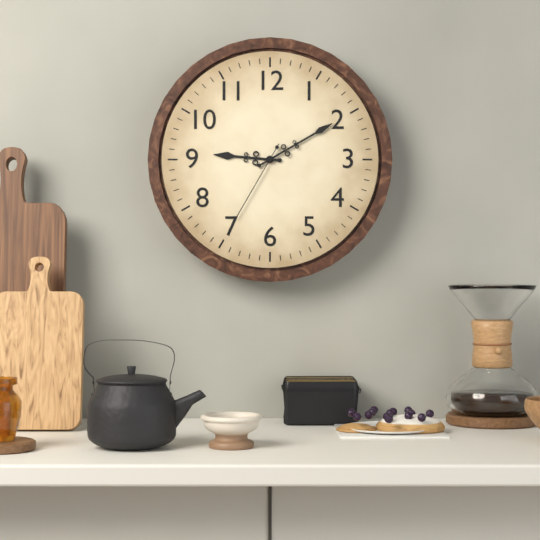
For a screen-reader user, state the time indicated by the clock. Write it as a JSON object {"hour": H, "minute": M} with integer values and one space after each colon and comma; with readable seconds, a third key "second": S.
{"hour": 9, "minute": 10, "second": 35}
